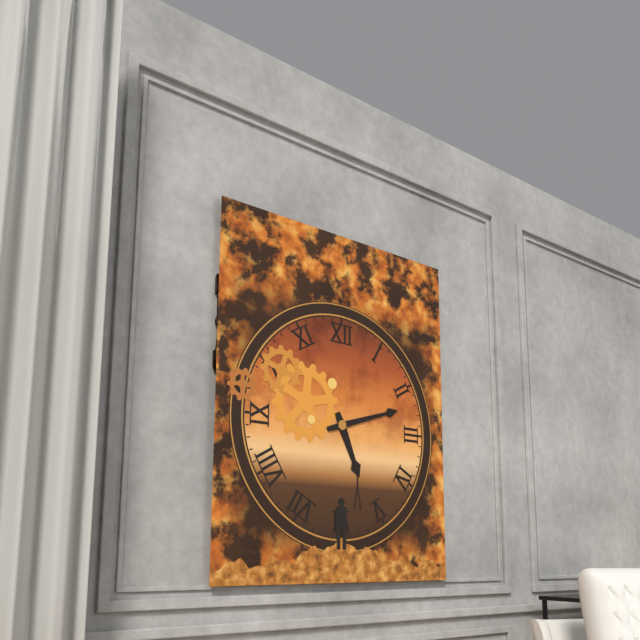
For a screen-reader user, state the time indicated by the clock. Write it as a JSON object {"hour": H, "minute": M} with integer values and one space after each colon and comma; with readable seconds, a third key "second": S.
{"hour": 5, "minute": 12}
